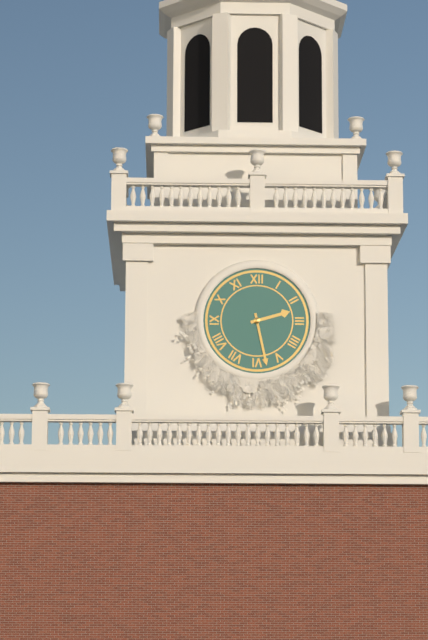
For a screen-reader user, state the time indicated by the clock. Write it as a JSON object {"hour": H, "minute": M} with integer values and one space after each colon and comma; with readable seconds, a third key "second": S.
{"hour": 2, "minute": 28}
